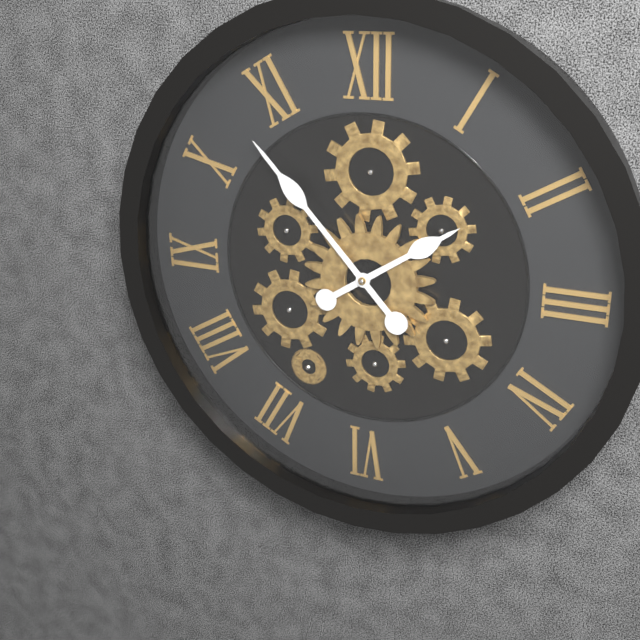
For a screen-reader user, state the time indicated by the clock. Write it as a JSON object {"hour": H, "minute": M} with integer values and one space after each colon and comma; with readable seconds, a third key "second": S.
{"hour": 1, "minute": 53}
